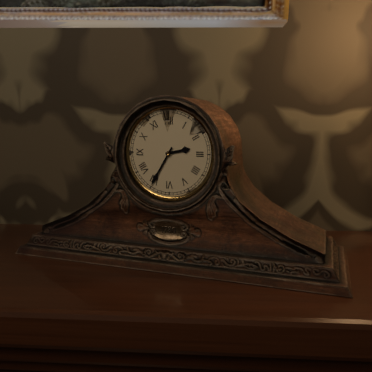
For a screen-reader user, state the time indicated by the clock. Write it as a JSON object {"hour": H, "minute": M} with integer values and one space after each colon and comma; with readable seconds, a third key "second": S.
{"hour": 2, "minute": 35}
